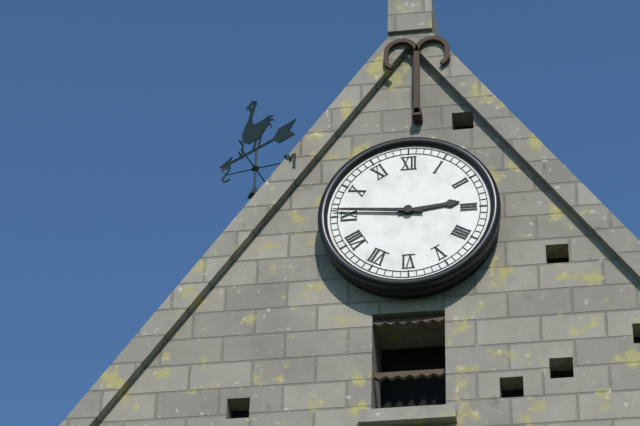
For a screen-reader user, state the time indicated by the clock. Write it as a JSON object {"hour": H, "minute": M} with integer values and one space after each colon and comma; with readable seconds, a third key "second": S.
{"hour": 2, "minute": 46}
